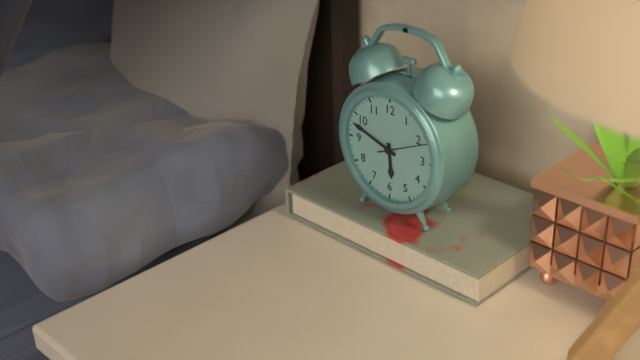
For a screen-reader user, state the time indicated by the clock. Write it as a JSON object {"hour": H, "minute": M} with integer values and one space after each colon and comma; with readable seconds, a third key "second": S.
{"hour": 5, "minute": 48}
